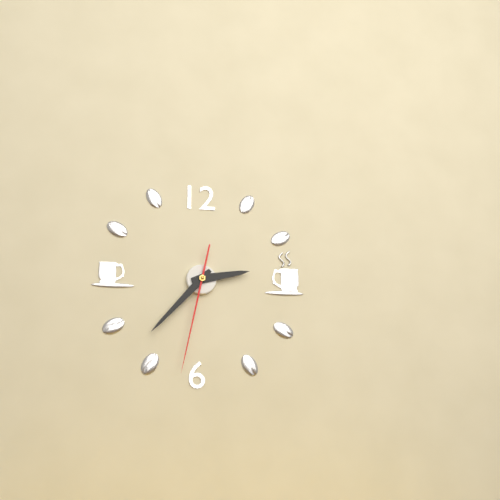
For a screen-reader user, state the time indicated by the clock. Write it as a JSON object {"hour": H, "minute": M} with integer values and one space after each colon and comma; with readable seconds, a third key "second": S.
{"hour": 2, "minute": 37, "second": 32}
